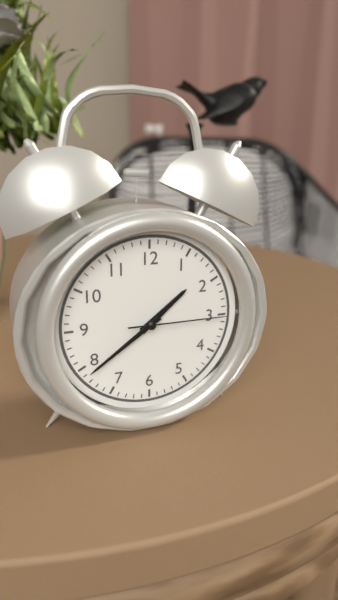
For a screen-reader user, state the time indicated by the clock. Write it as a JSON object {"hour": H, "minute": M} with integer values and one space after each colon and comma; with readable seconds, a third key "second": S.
{"hour": 1, "minute": 39, "second": 15}
